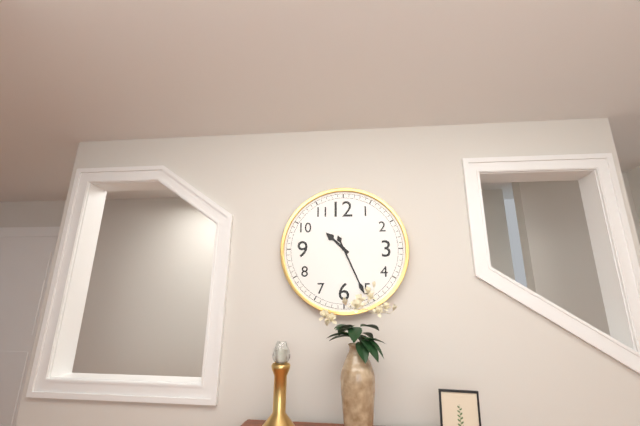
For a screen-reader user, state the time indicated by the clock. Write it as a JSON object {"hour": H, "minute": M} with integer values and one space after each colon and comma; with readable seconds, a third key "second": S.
{"hour": 10, "minute": 26}
